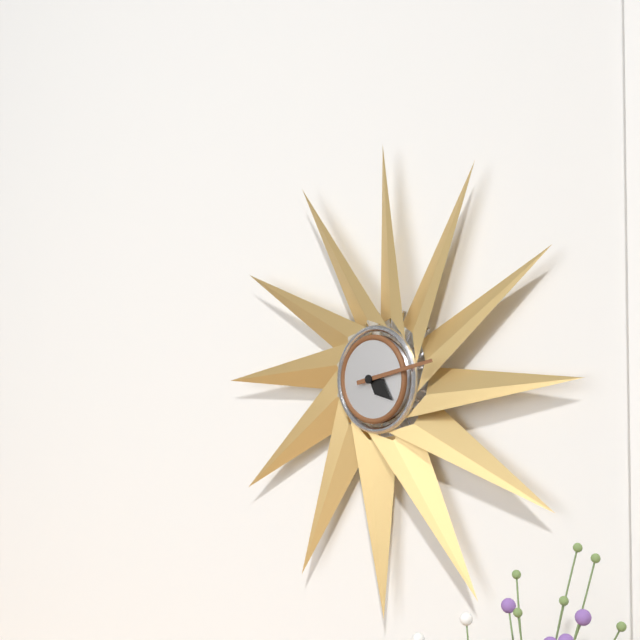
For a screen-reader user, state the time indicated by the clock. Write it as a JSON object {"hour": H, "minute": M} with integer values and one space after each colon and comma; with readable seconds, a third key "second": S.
{"hour": 4, "minute": 13}
